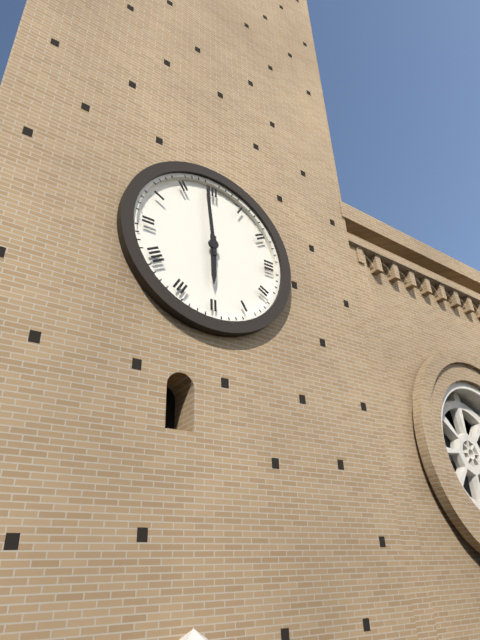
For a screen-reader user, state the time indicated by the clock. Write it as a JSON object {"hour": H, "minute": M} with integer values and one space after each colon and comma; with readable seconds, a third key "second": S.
{"hour": 5, "minute": 59}
